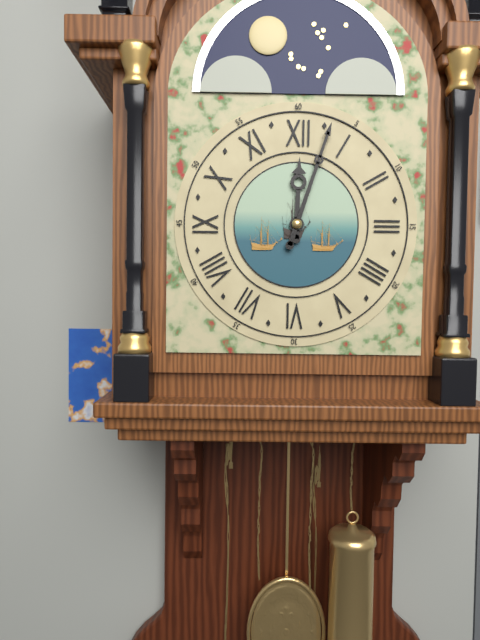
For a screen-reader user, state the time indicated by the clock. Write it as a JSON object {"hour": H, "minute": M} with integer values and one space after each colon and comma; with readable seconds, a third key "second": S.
{"hour": 12, "minute": 3}
